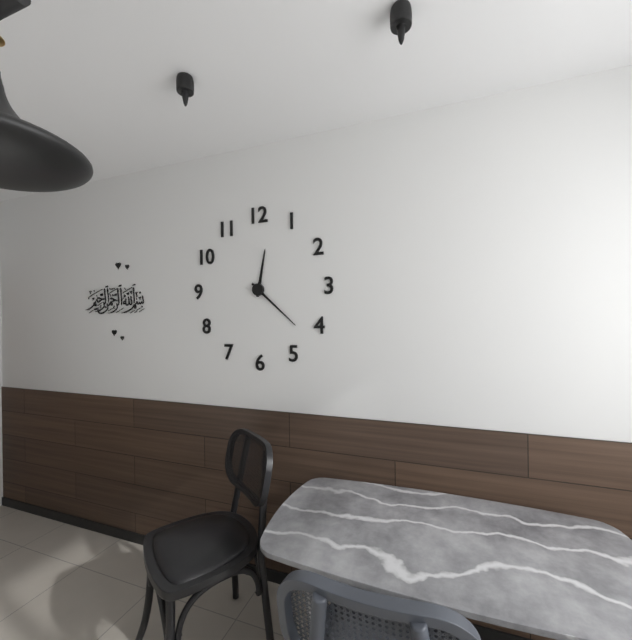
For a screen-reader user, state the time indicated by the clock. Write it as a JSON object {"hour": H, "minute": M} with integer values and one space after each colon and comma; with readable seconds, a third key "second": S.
{"hour": 12, "minute": 22}
